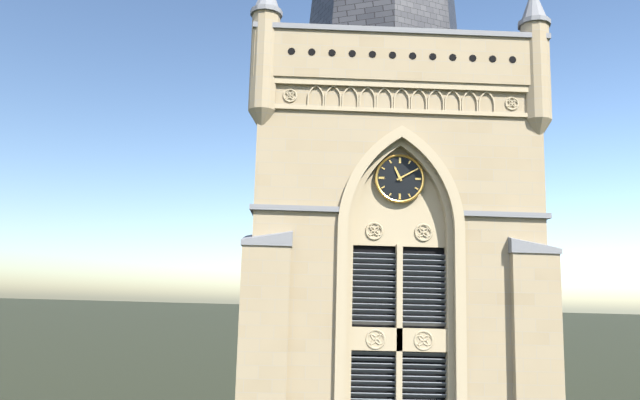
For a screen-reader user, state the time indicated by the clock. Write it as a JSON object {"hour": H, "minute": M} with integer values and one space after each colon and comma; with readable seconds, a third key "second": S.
{"hour": 11, "minute": 10}
